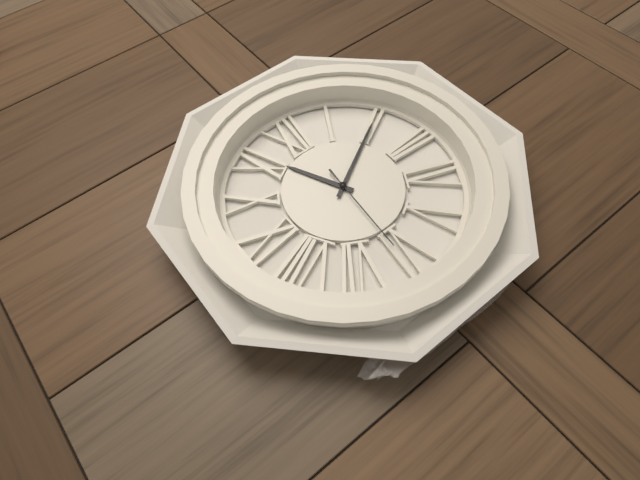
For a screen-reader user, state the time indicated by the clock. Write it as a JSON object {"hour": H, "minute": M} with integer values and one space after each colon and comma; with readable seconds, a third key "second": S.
{"hour": 11, "minute": 10, "second": 31}
